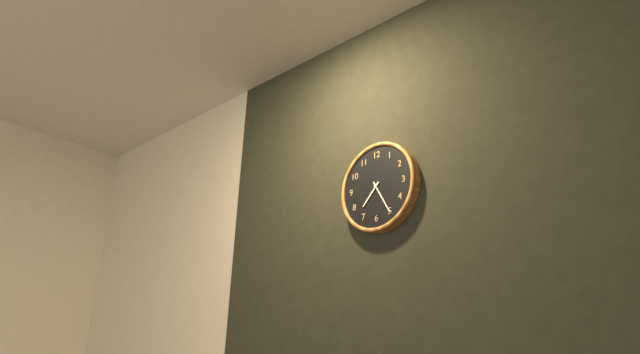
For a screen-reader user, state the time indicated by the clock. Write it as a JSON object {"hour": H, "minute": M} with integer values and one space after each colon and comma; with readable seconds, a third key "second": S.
{"hour": 7, "minute": 25}
